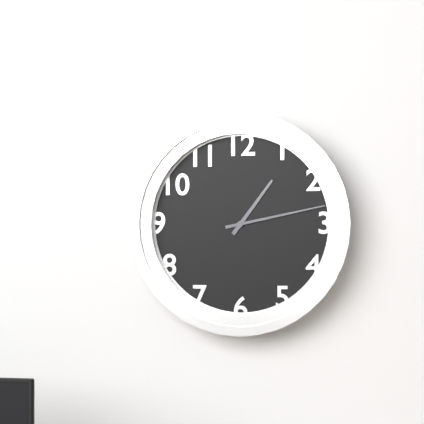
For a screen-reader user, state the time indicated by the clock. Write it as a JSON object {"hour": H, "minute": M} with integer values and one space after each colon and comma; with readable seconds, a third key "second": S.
{"hour": 1, "minute": 13}
